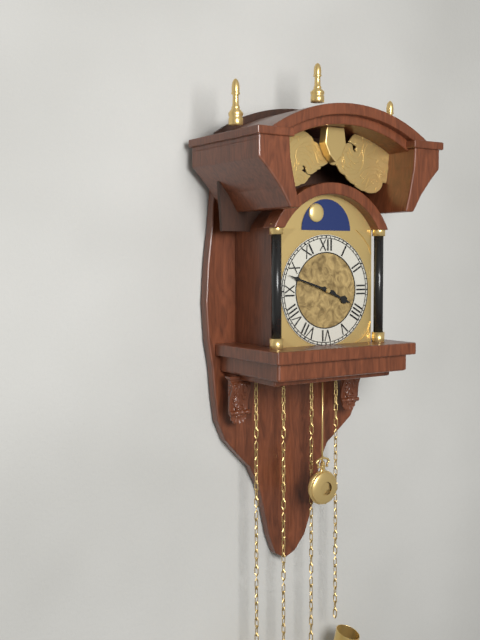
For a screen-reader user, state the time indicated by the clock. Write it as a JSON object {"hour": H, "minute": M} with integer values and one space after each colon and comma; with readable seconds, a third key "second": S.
{"hour": 3, "minute": 48}
